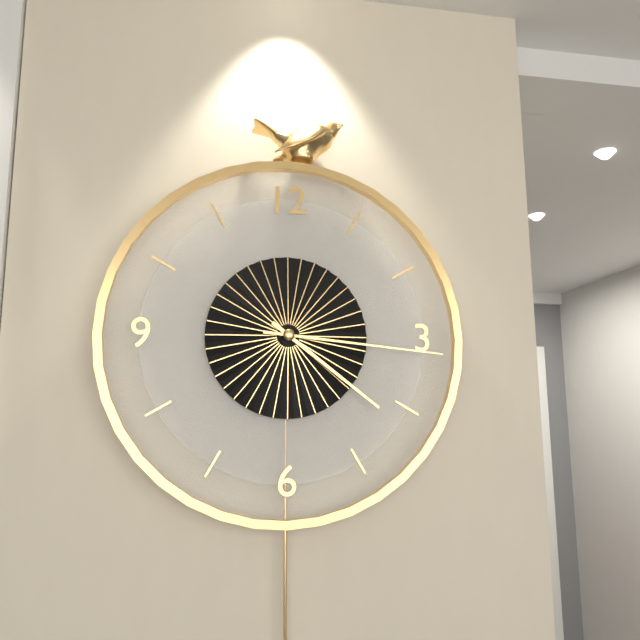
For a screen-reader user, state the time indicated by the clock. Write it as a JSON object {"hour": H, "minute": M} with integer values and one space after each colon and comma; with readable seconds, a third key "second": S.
{"hour": 4, "minute": 16}
